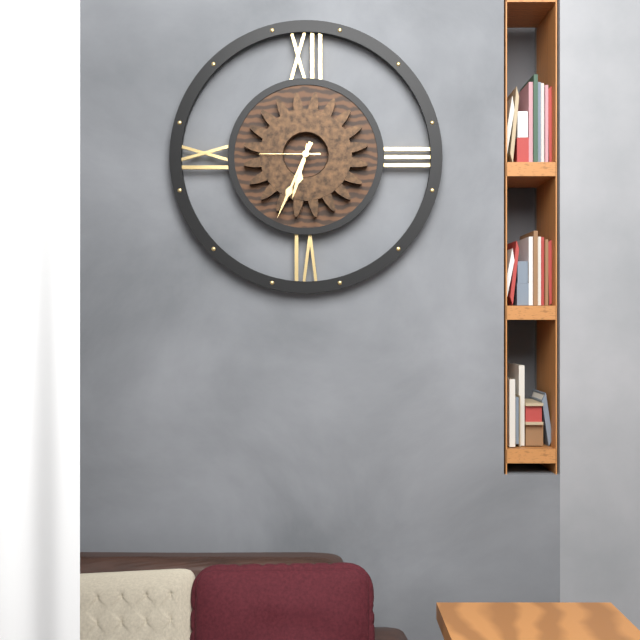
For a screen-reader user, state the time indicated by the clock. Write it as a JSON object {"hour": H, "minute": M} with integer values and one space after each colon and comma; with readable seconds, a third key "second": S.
{"hour": 6, "minute": 34, "second": 45}
